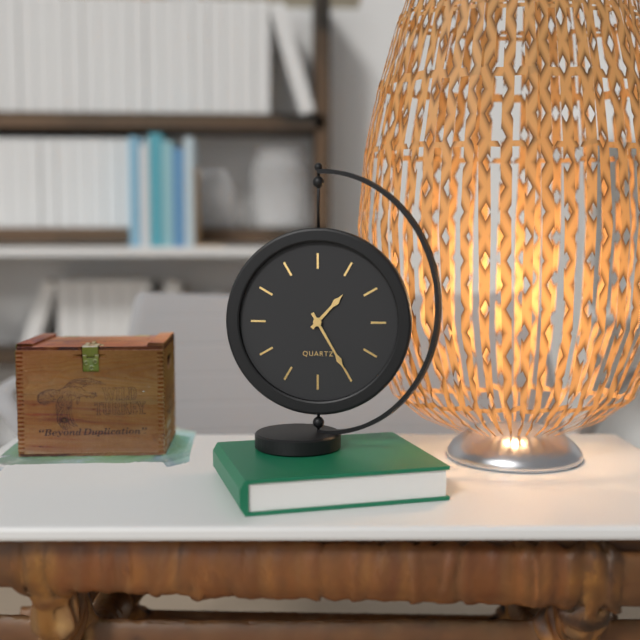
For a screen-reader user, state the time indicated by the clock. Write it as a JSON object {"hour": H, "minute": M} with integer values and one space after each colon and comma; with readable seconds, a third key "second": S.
{"hour": 1, "minute": 25}
